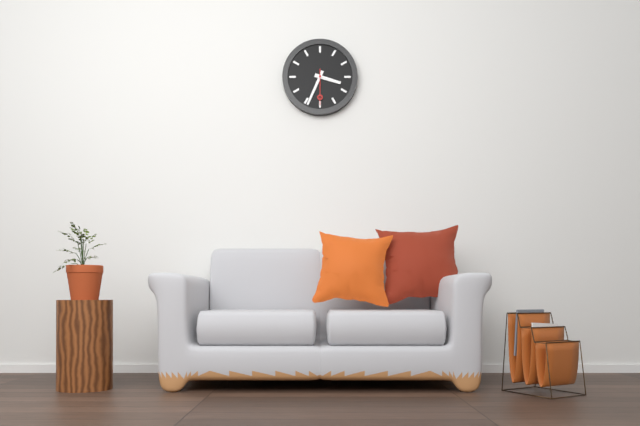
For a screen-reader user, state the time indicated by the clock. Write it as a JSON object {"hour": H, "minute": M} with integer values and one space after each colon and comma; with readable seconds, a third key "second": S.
{"hour": 3, "minute": 34}
